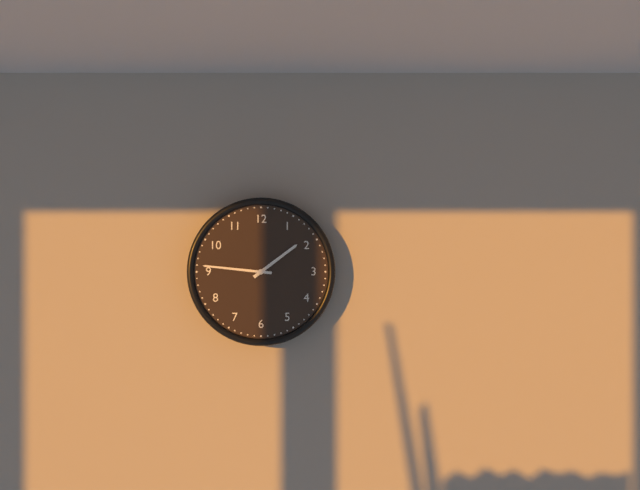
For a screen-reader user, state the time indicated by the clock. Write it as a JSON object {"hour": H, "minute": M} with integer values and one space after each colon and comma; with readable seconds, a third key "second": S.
{"hour": 1, "minute": 46}
